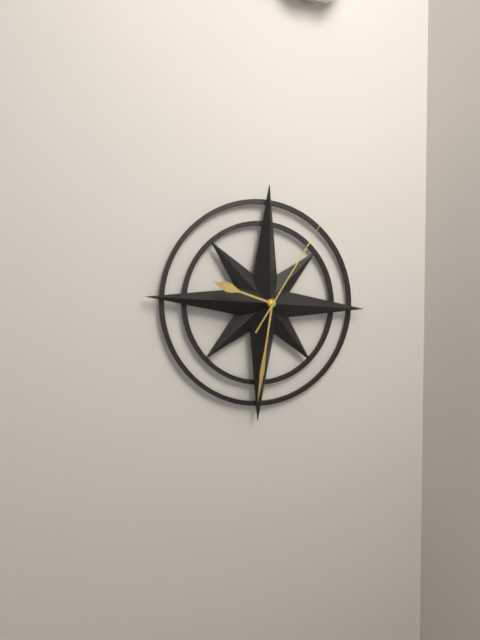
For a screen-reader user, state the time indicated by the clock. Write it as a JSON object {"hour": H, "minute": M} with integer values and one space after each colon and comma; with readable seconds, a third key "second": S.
{"hour": 9, "minute": 31, "second": 5}
